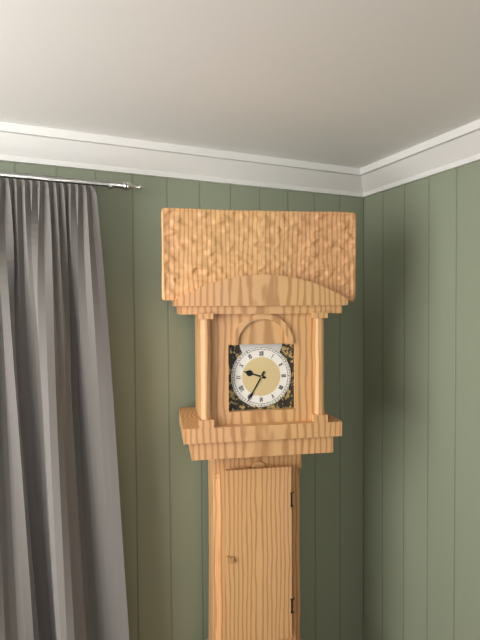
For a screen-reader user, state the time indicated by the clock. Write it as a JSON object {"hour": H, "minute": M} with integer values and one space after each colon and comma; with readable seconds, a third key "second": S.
{"hour": 9, "minute": 35}
